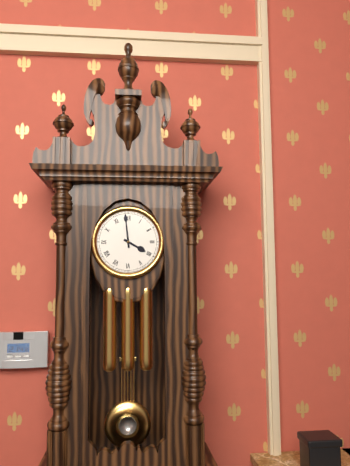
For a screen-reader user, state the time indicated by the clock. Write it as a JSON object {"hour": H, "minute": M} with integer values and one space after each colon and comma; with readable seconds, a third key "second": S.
{"hour": 3, "minute": 59}
